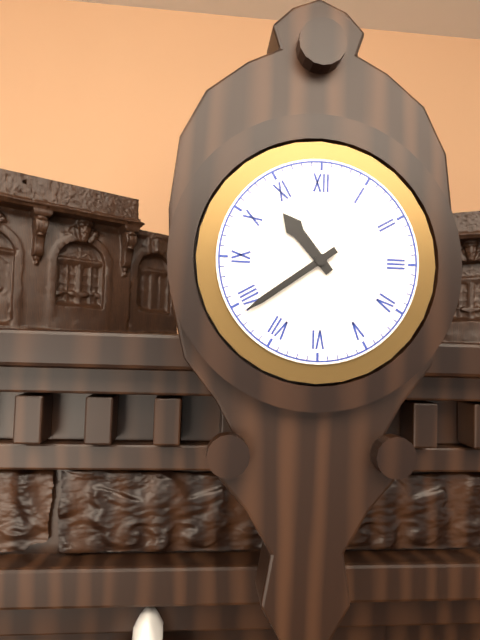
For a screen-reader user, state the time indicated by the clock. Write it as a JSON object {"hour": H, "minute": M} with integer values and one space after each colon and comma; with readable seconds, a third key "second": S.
{"hour": 10, "minute": 39}
